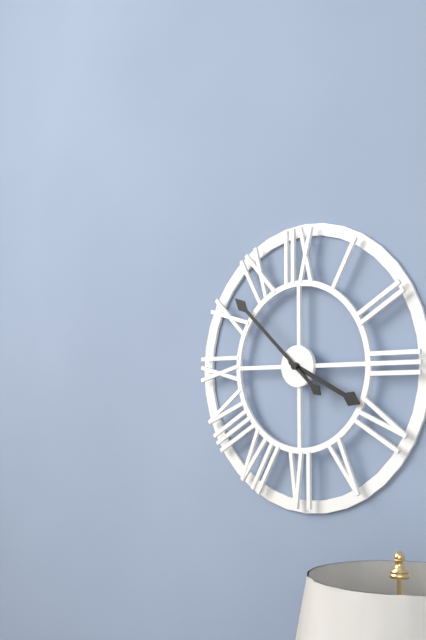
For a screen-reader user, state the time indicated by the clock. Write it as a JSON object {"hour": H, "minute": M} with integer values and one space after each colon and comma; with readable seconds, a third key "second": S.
{"hour": 3, "minute": 52}
